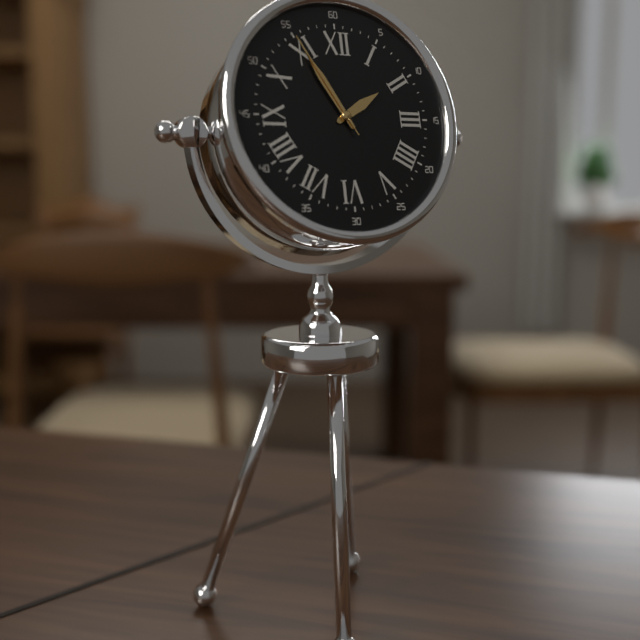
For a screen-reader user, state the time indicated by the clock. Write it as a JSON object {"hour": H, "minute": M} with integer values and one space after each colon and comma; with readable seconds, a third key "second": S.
{"hour": 1, "minute": 55, "second": 55}
